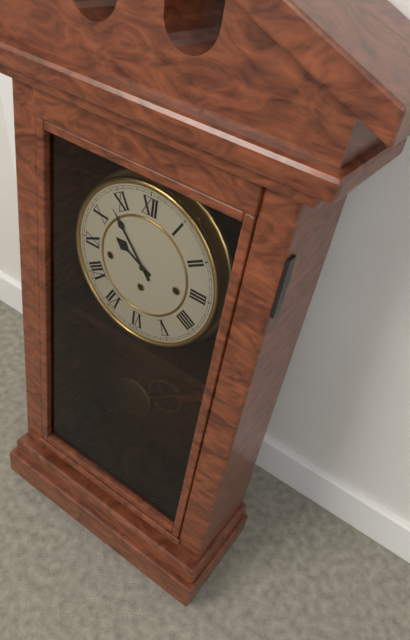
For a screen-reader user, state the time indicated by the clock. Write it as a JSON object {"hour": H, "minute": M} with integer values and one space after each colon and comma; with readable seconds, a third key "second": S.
{"hour": 9, "minute": 53}
